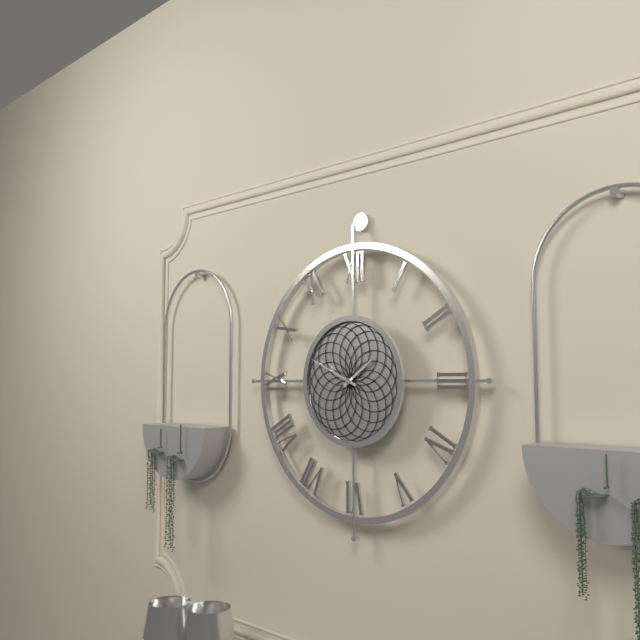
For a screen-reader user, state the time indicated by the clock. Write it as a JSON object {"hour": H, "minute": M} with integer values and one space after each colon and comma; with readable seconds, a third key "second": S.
{"hour": 1, "minute": 49}
